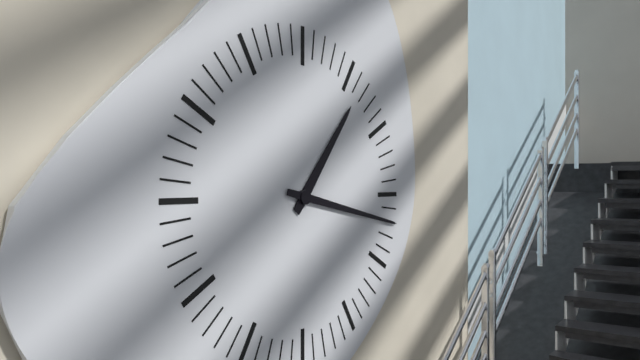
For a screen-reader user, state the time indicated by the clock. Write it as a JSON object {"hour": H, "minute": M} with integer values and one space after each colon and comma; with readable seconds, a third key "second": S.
{"hour": 1, "minute": 17}
